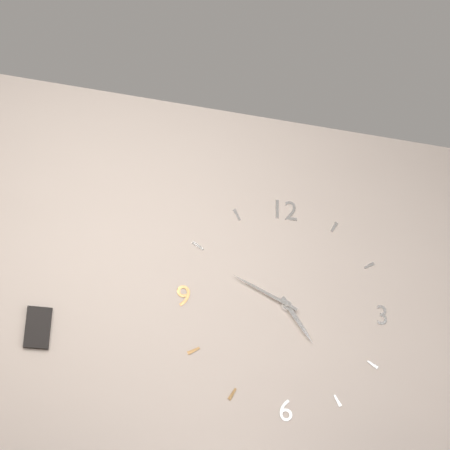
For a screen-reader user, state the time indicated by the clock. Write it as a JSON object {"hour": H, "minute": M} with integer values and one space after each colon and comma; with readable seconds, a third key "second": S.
{"hour": 4, "minute": 49}
